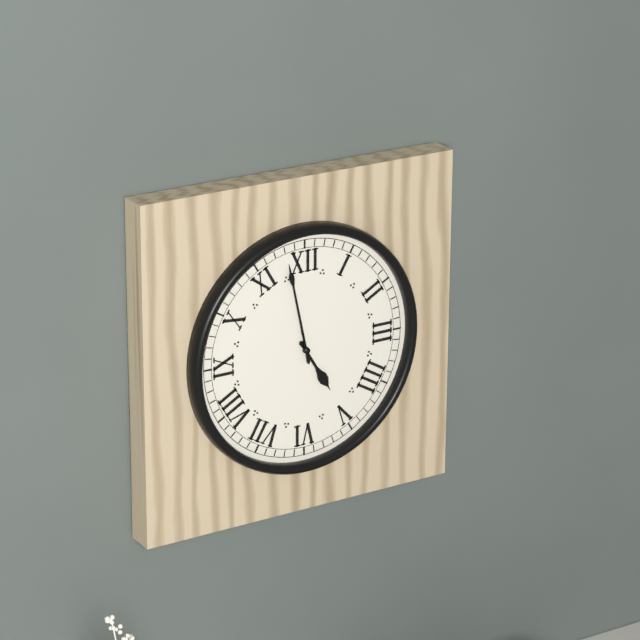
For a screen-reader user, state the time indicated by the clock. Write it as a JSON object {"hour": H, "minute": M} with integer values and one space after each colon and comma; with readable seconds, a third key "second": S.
{"hour": 4, "minute": 58}
